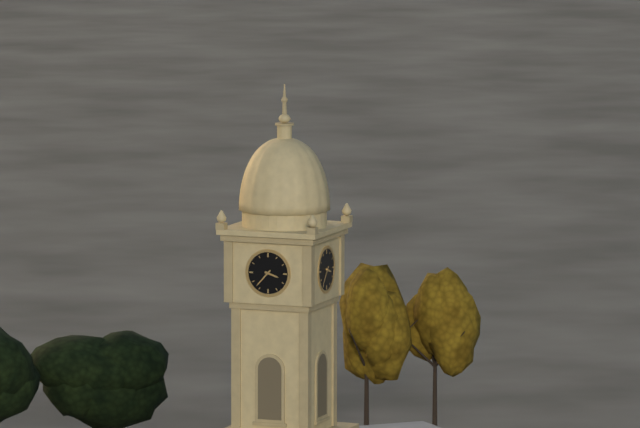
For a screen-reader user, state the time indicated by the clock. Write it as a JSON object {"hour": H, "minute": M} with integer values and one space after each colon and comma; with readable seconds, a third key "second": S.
{"hour": 3, "minute": 37}
